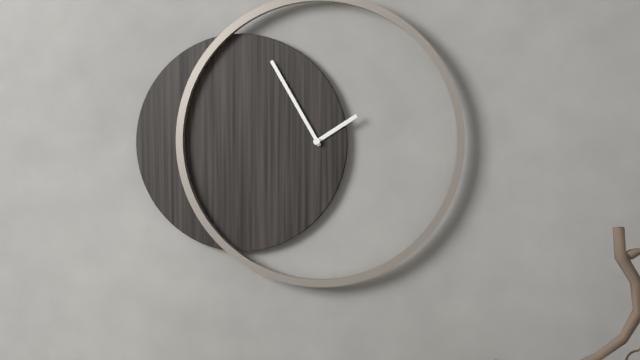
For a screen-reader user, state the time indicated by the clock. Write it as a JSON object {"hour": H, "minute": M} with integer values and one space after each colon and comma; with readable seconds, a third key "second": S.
{"hour": 1, "minute": 55}
